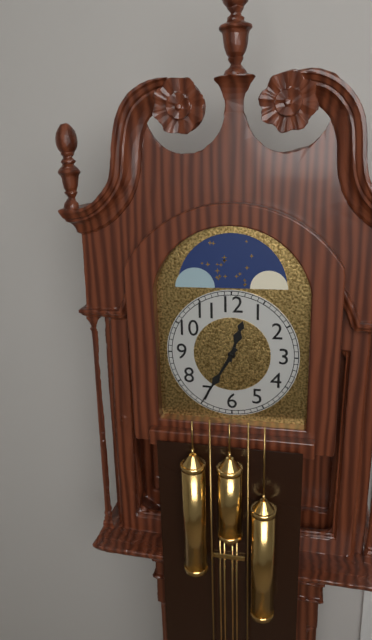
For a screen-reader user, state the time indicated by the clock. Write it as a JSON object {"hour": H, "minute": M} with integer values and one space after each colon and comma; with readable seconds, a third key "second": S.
{"hour": 12, "minute": 35}
